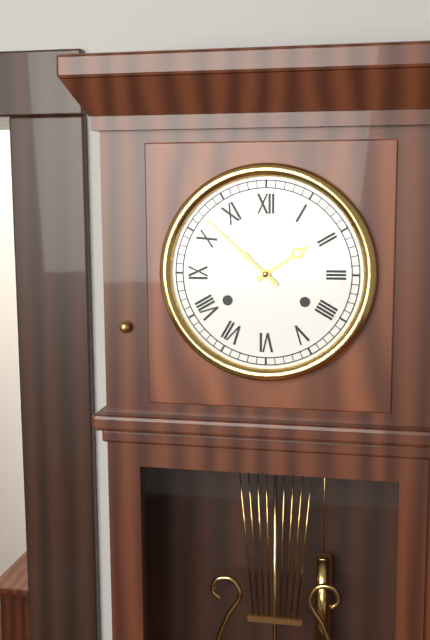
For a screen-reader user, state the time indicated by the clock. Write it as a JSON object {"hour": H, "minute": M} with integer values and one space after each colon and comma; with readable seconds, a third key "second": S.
{"hour": 1, "minute": 52}
